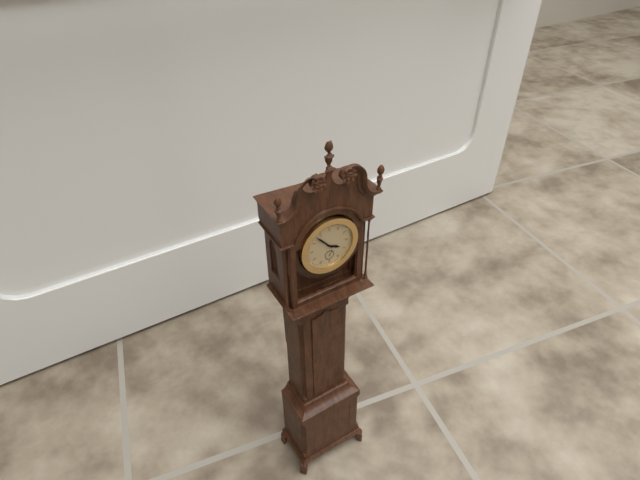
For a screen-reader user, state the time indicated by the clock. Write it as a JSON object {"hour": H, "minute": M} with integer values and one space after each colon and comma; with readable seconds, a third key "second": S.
{"hour": 3, "minute": 53}
